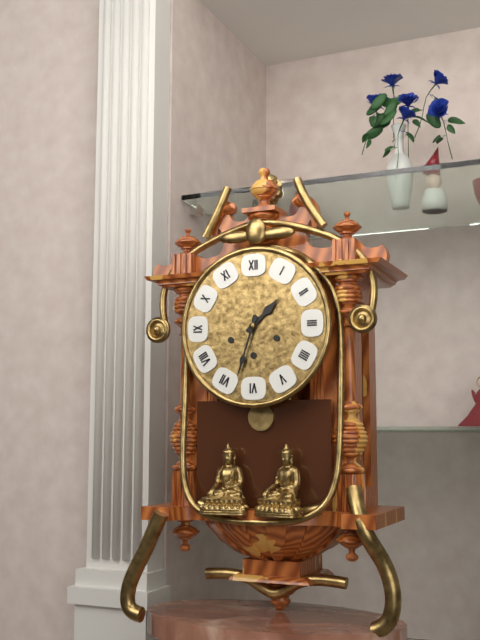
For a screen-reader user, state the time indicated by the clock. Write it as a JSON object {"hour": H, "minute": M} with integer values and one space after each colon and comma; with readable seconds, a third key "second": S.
{"hour": 1, "minute": 33}
